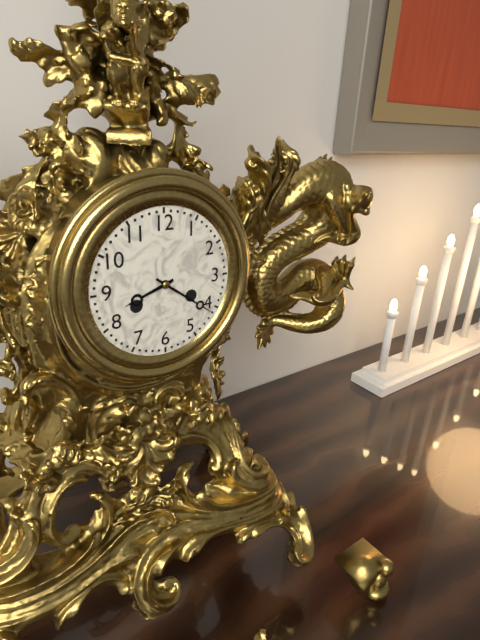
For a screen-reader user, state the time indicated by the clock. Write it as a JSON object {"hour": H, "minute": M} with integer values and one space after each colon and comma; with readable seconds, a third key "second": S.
{"hour": 8, "minute": 21}
